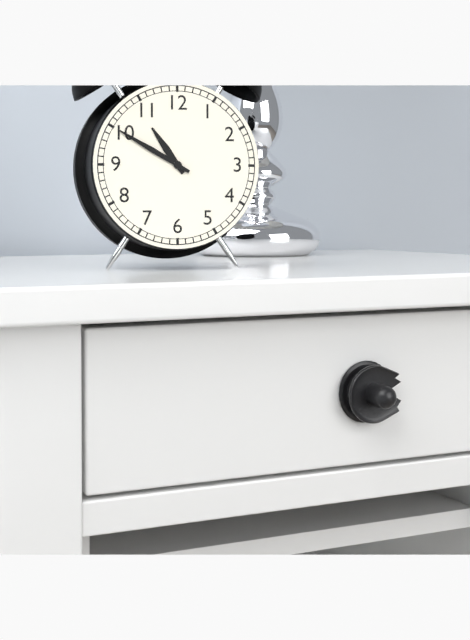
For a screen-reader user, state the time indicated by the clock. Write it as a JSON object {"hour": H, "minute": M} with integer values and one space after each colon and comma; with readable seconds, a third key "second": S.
{"hour": 10, "minute": 50}
